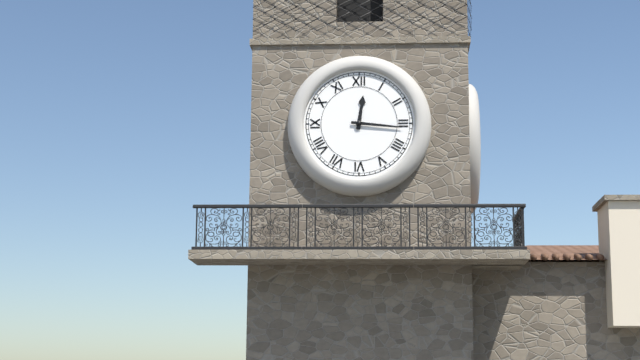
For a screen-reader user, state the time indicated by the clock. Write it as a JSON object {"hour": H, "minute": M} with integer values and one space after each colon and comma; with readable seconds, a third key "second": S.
{"hour": 12, "minute": 16}
